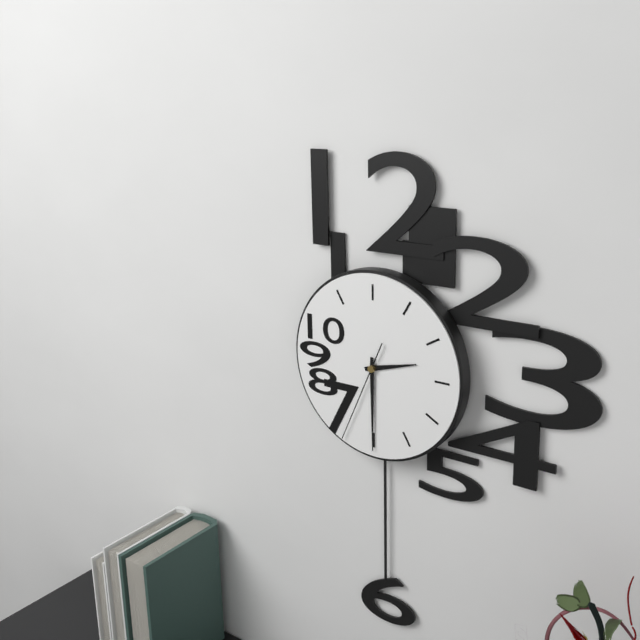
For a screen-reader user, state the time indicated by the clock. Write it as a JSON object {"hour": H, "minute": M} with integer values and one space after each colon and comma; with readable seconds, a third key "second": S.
{"hour": 2, "minute": 30, "second": 34}
